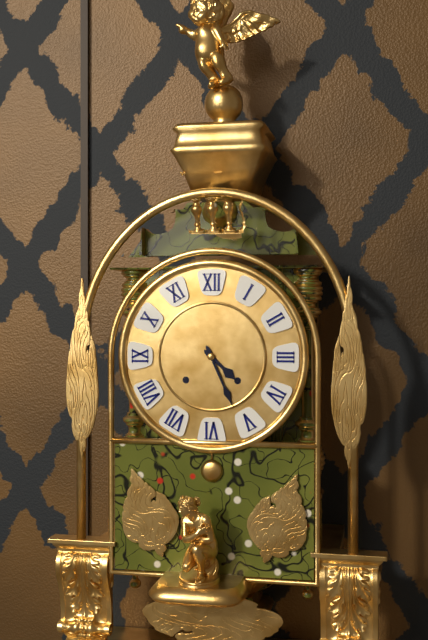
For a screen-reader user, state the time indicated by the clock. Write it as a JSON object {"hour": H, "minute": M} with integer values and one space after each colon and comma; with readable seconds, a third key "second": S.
{"hour": 4, "minute": 26}
